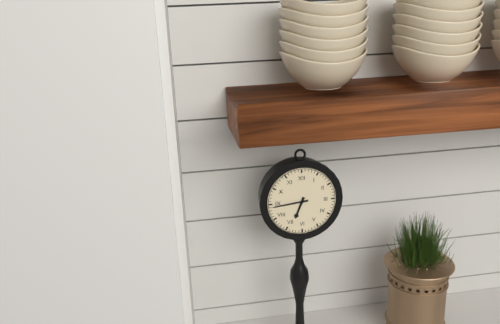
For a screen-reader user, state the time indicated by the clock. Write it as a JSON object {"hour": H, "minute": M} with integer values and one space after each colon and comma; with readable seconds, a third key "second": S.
{"hour": 6, "minute": 44}
